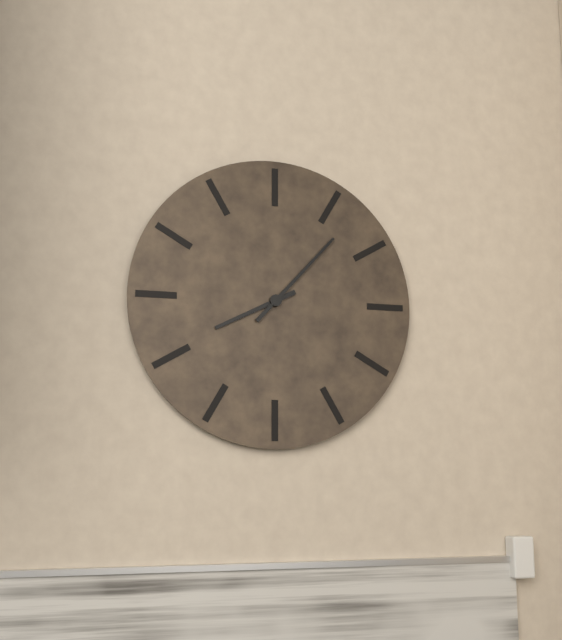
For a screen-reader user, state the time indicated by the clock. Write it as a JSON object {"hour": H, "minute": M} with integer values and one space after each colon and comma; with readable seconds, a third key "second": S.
{"hour": 8, "minute": 7}
